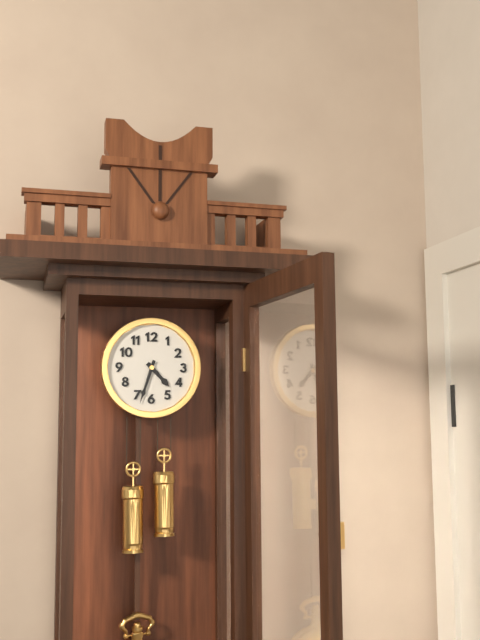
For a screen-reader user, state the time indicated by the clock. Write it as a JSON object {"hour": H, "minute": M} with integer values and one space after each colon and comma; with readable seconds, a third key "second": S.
{"hour": 4, "minute": 33}
